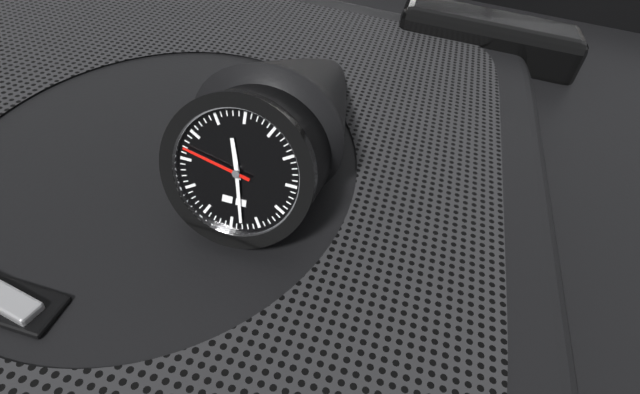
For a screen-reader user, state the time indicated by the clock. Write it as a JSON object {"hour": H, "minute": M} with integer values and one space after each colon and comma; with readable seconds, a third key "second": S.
{"hour": 11, "minute": 28, "second": 47}
